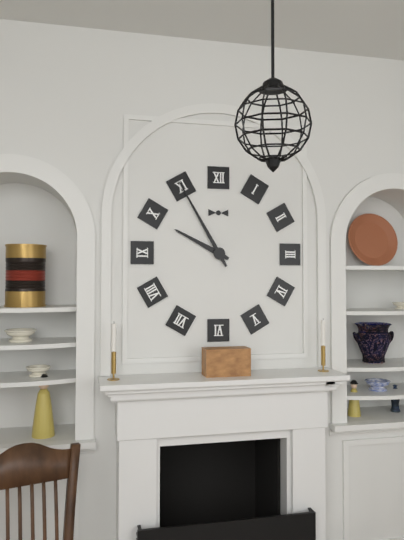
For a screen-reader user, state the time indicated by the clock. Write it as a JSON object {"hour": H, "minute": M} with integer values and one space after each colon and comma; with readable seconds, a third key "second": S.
{"hour": 9, "minute": 55}
